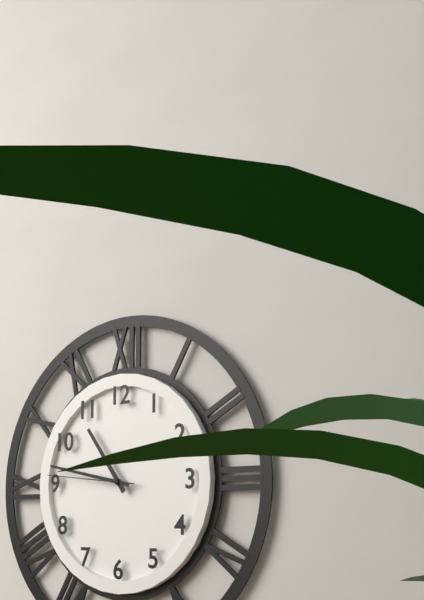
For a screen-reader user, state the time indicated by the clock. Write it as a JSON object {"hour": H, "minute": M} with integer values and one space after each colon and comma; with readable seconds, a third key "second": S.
{"hour": 10, "minute": 47, "second": 46}
